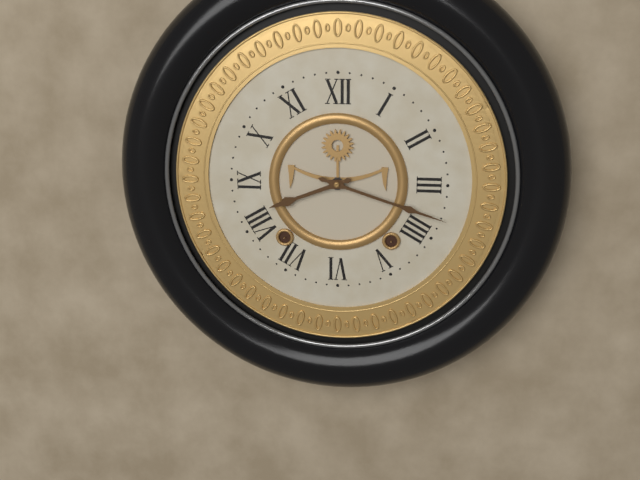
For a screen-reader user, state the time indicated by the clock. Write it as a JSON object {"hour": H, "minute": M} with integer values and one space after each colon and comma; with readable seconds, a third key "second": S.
{"hour": 8, "minute": 18}
